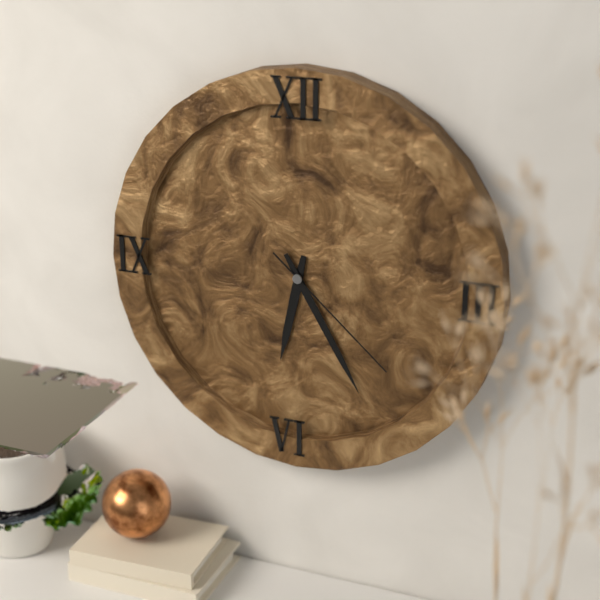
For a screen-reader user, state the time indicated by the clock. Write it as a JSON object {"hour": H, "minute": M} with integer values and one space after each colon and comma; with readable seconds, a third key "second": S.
{"hour": 6, "minute": 25, "second": 22}
